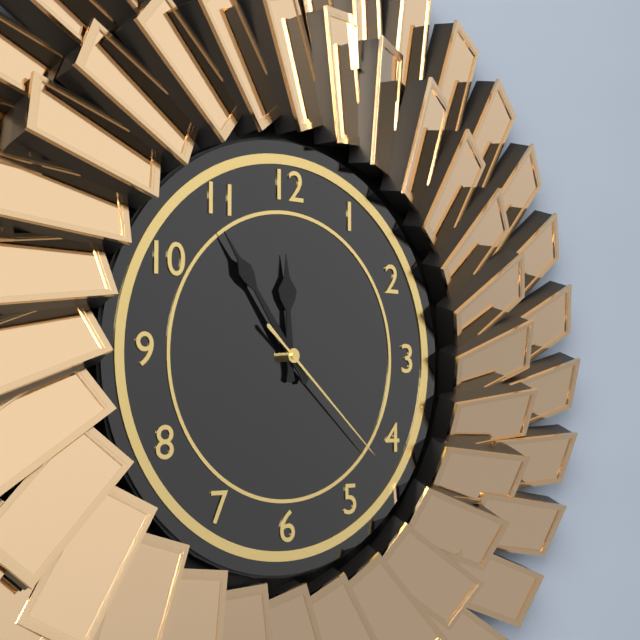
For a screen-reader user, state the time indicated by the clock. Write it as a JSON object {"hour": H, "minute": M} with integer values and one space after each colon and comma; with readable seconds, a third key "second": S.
{"hour": 11, "minute": 54, "second": 22}
